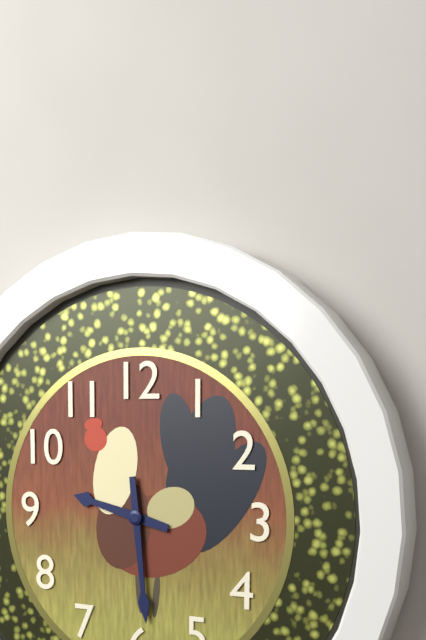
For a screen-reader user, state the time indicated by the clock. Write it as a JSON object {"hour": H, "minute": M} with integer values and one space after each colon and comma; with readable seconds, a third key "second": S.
{"hour": 9, "minute": 29}
